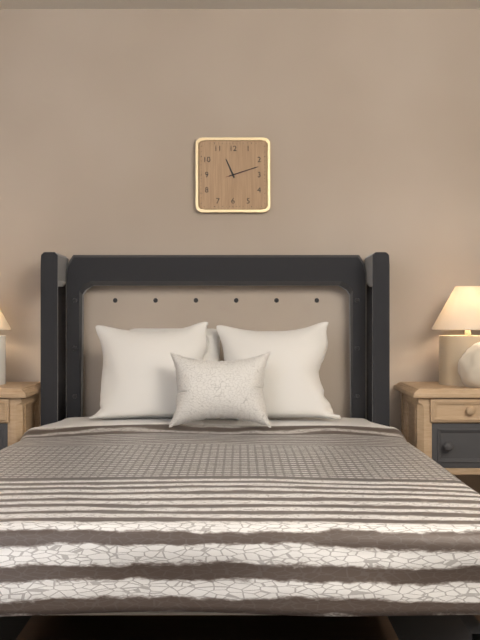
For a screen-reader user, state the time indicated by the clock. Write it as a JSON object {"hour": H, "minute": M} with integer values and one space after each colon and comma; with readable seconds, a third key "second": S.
{"hour": 11, "minute": 12}
